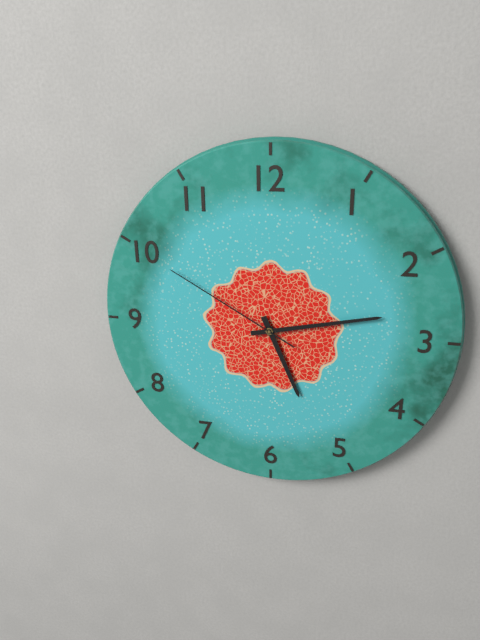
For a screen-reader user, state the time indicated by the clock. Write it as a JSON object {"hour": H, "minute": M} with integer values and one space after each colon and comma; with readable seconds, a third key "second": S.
{"hour": 5, "minute": 13, "second": 50}
